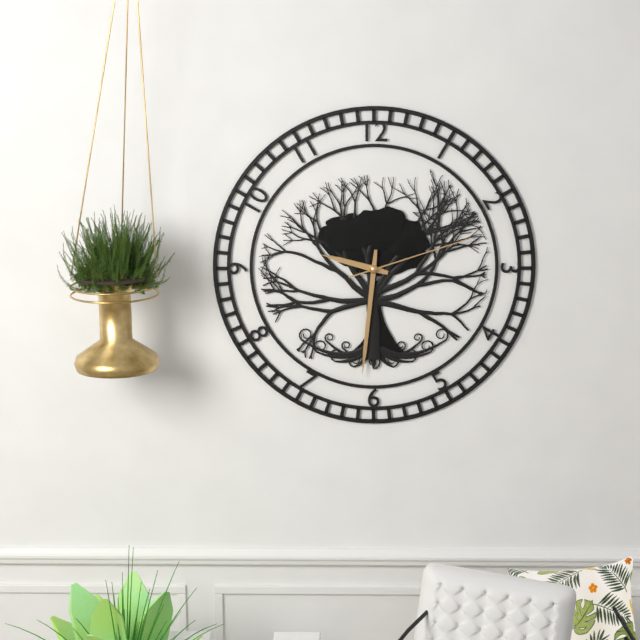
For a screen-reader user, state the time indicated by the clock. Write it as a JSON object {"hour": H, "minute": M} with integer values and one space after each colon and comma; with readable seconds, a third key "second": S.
{"hour": 9, "minute": 31, "second": 12}
